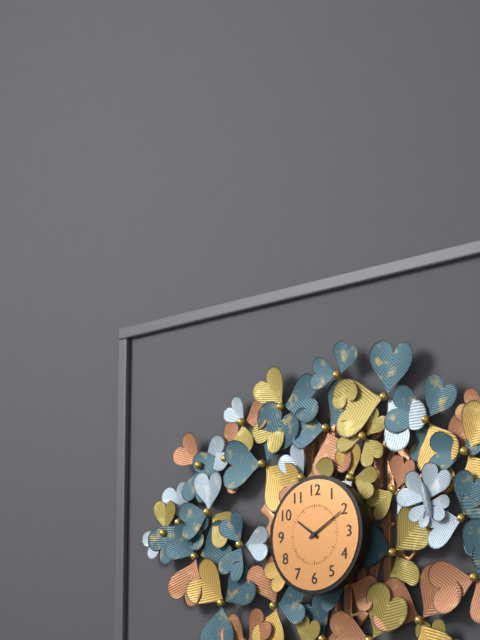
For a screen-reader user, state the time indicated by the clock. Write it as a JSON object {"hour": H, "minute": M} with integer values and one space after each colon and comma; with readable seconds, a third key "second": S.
{"hour": 10, "minute": 10}
